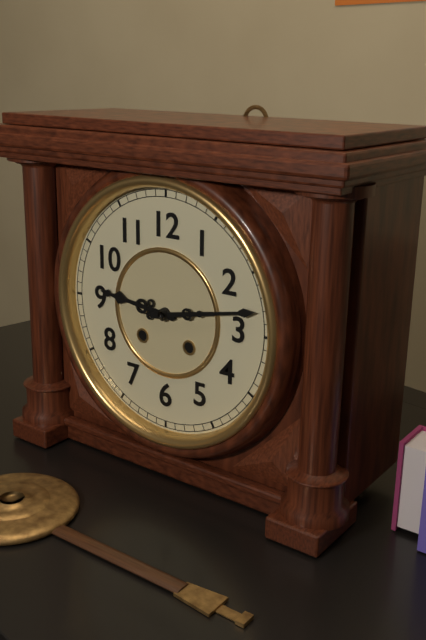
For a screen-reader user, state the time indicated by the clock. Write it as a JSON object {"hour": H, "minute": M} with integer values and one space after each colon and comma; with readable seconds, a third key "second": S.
{"hour": 9, "minute": 13}
